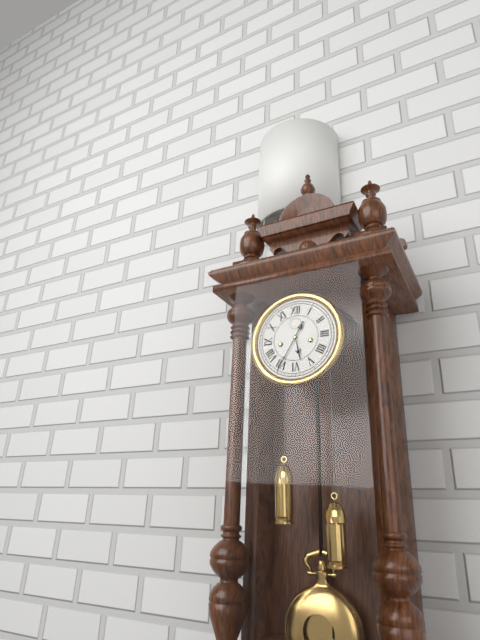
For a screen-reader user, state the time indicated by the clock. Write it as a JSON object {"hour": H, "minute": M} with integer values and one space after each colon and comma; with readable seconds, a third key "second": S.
{"hour": 5, "minute": 35}
